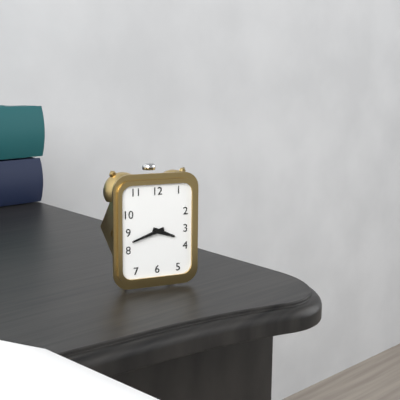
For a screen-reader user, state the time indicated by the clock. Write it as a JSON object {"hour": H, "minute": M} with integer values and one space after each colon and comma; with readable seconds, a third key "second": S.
{"hour": 3, "minute": 42}
